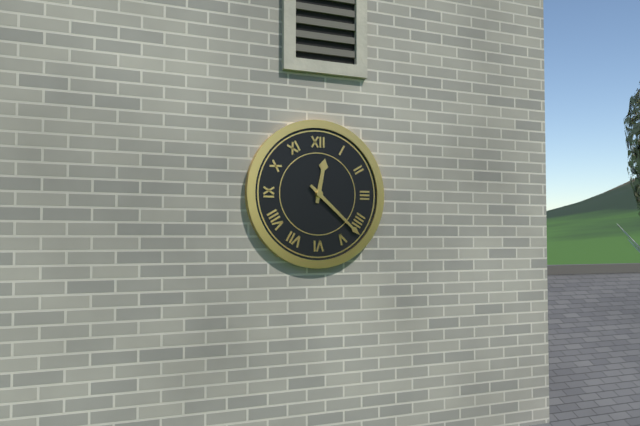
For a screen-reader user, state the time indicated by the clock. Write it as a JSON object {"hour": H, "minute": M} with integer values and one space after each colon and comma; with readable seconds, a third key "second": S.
{"hour": 12, "minute": 22}
